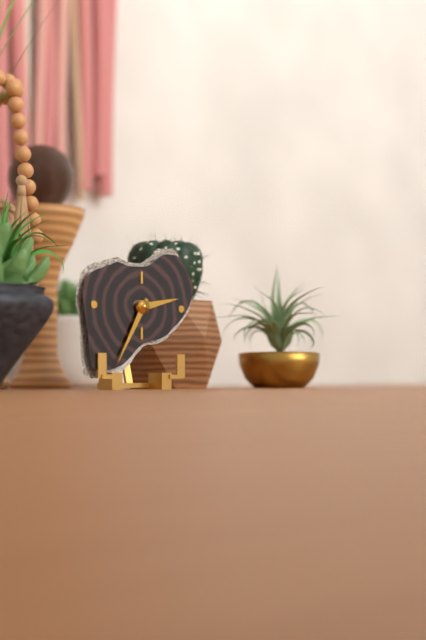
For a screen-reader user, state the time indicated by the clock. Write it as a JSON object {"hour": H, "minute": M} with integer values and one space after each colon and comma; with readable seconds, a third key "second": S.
{"hour": 2, "minute": 35}
